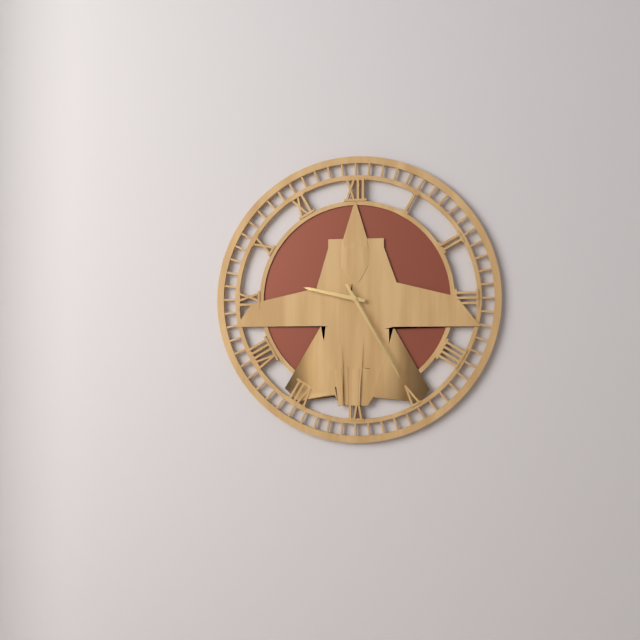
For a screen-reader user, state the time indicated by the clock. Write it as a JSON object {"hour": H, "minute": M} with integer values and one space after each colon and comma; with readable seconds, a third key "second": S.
{"hour": 9, "minute": 25}
